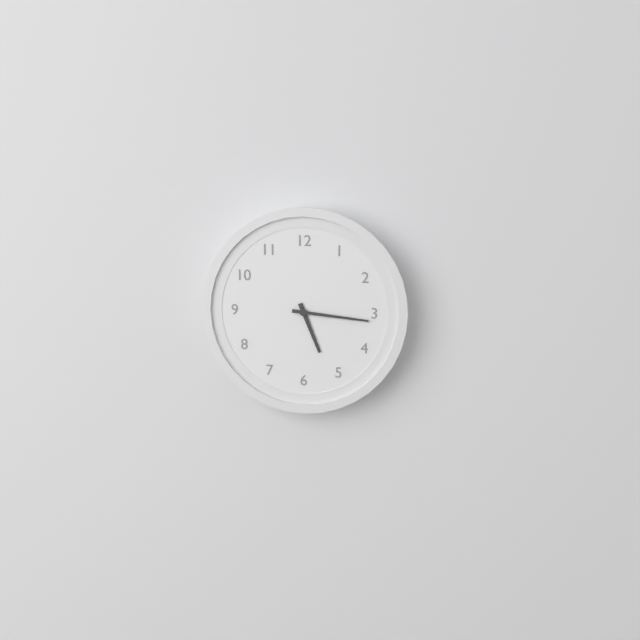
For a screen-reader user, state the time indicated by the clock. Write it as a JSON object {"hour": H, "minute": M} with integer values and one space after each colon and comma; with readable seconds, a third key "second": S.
{"hour": 5, "minute": 16}
